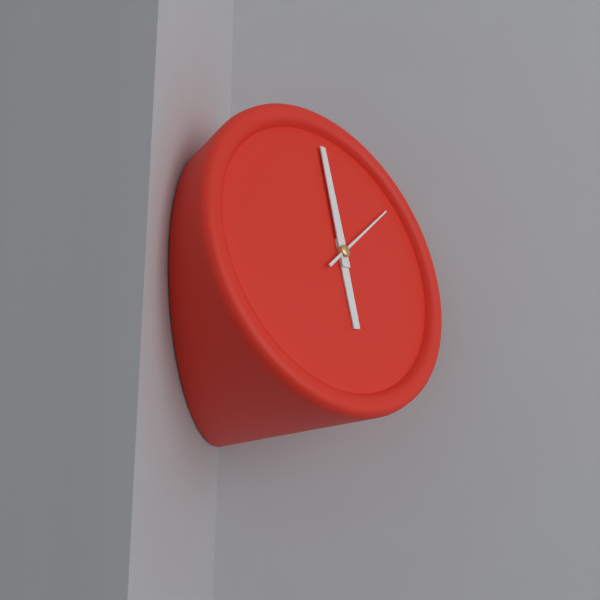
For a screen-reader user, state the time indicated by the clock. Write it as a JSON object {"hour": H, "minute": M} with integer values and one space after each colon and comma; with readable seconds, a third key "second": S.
{"hour": 6, "minute": 0, "second": 9}
